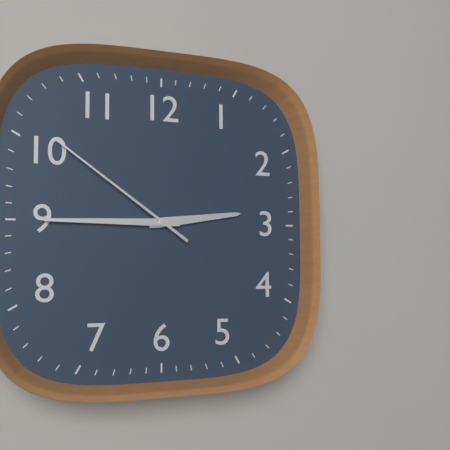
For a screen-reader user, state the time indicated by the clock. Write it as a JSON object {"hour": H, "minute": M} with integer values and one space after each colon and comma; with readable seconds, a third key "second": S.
{"hour": 2, "minute": 45, "second": 51}
